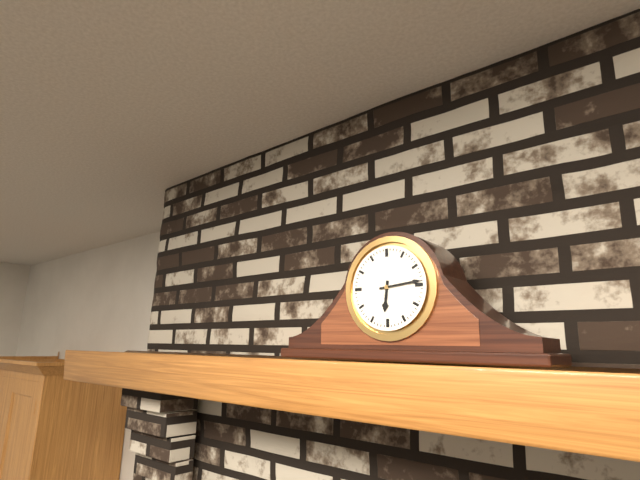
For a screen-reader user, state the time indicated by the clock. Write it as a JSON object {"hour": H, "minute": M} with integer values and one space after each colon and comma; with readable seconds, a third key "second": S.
{"hour": 6, "minute": 14}
